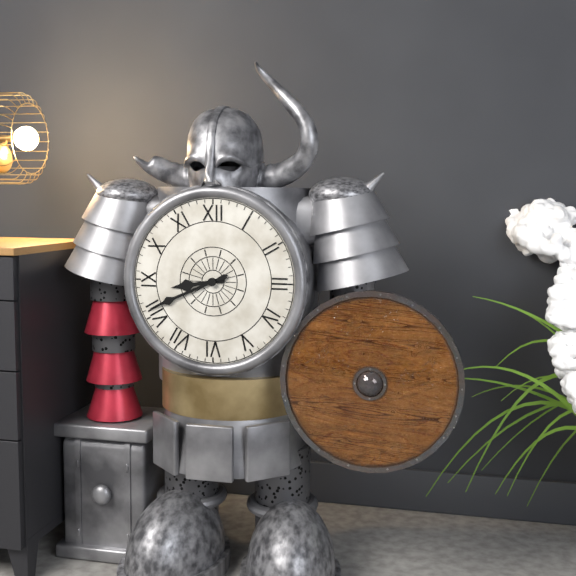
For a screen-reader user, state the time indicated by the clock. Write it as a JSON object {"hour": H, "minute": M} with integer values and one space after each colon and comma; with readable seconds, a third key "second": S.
{"hour": 8, "minute": 41}
